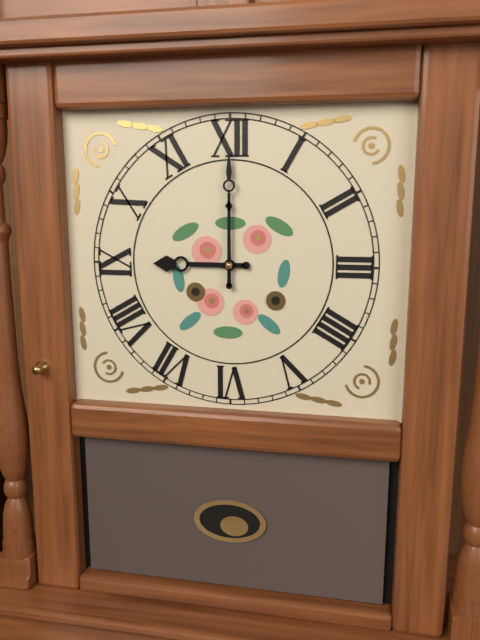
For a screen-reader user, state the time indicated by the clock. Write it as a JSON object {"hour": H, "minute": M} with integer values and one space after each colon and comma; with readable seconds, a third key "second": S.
{"hour": 9, "minute": 0}
